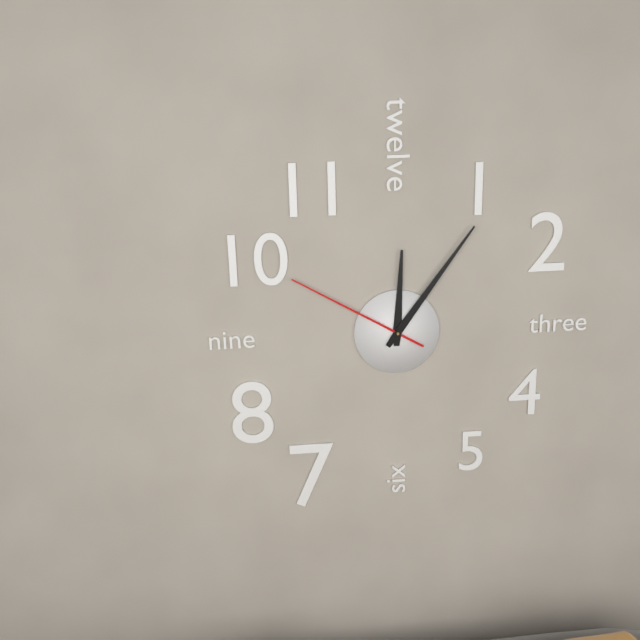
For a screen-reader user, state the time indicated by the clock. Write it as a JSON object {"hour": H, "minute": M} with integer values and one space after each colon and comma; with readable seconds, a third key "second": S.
{"hour": 12, "minute": 6, "second": 50}
